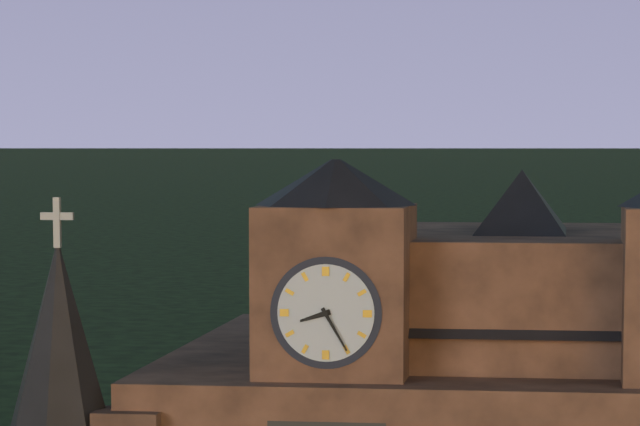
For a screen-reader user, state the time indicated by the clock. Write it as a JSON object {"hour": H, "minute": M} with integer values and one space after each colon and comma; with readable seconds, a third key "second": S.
{"hour": 8, "minute": 25}
